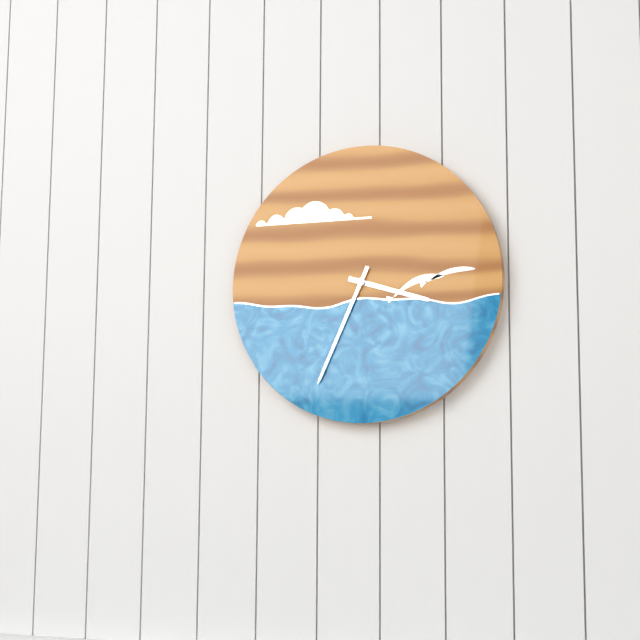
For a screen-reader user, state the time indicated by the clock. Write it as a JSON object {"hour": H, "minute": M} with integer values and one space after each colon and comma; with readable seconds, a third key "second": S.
{"hour": 3, "minute": 34}
